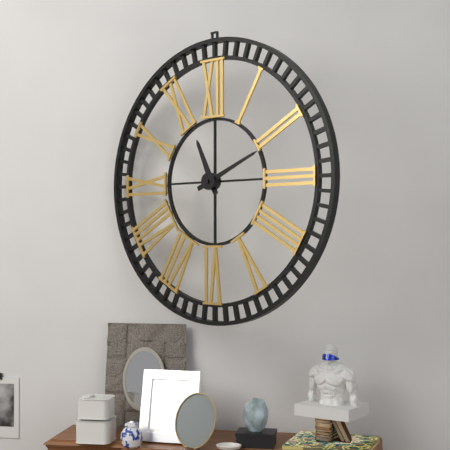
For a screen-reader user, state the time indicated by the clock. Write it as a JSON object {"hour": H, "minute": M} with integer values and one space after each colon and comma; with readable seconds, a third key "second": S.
{"hour": 11, "minute": 11}
